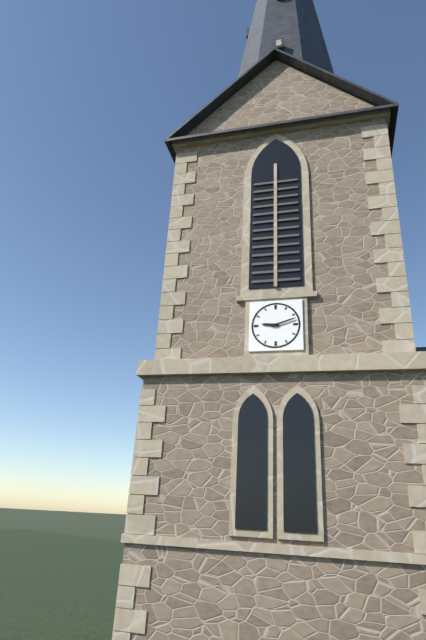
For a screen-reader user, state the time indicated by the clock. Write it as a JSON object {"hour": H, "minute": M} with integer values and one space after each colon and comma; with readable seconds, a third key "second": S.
{"hour": 9, "minute": 12}
